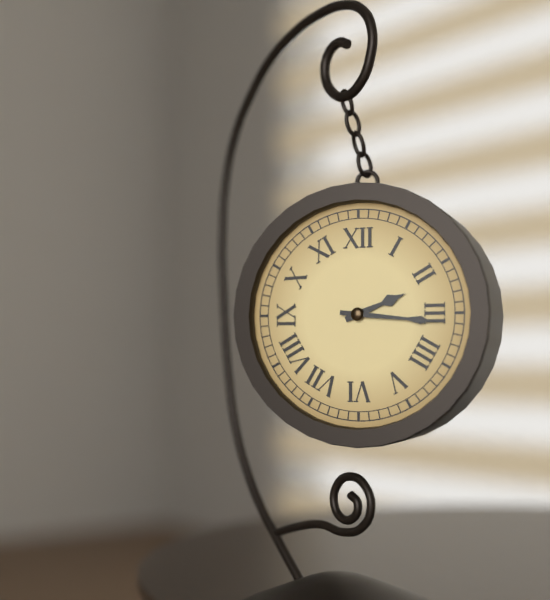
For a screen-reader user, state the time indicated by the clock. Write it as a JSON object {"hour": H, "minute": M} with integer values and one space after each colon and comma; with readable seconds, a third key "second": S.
{"hour": 2, "minute": 16}
